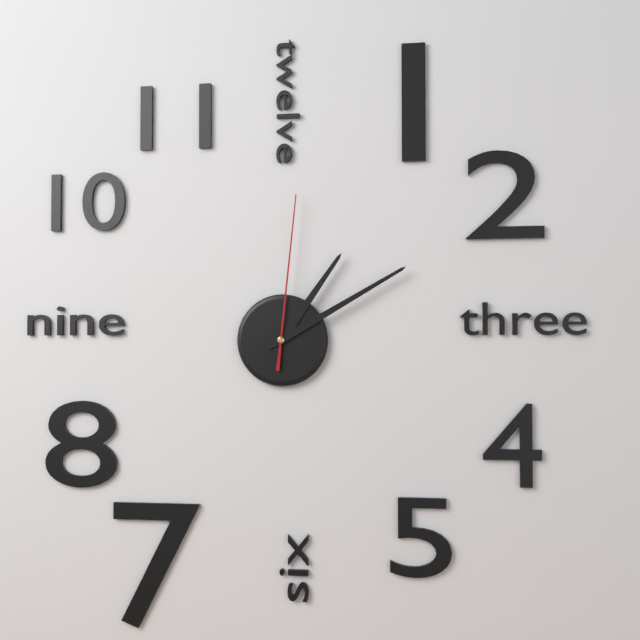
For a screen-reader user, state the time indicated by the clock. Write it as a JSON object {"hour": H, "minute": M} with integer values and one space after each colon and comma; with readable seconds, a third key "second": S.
{"hour": 1, "minute": 10, "second": 1}
